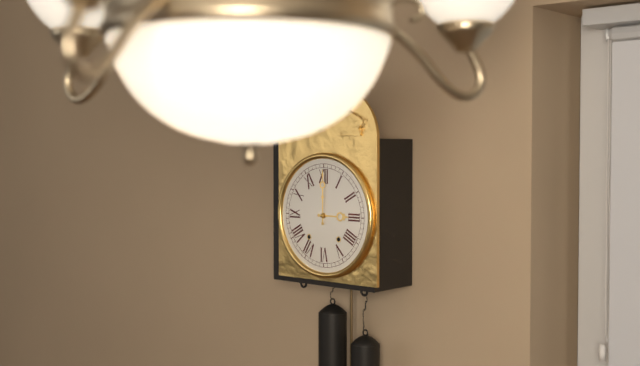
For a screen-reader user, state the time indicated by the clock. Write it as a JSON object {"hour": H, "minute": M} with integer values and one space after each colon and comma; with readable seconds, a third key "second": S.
{"hour": 3, "minute": 0}
